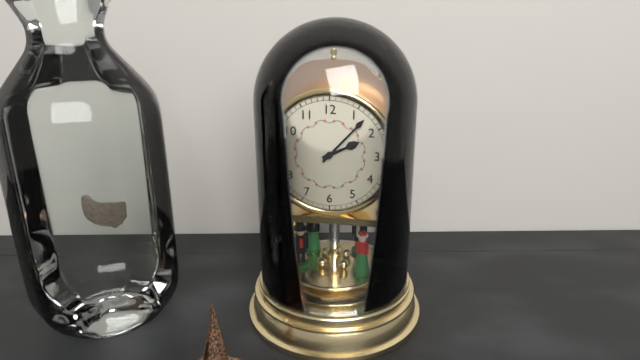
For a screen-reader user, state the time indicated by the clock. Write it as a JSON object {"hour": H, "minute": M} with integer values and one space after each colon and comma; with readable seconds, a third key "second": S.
{"hour": 2, "minute": 7}
